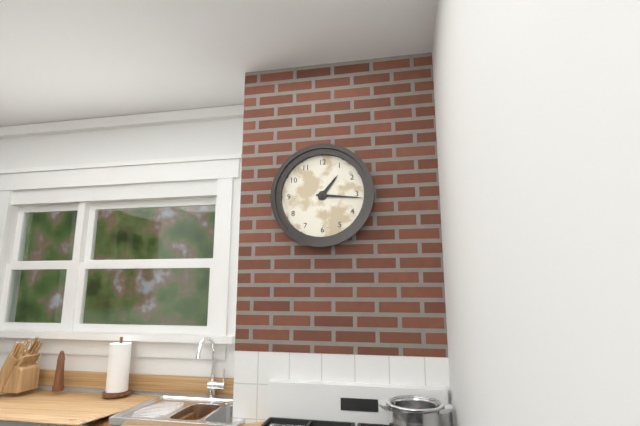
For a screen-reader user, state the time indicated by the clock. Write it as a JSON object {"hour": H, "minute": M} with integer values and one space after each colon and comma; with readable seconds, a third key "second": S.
{"hour": 1, "minute": 16}
